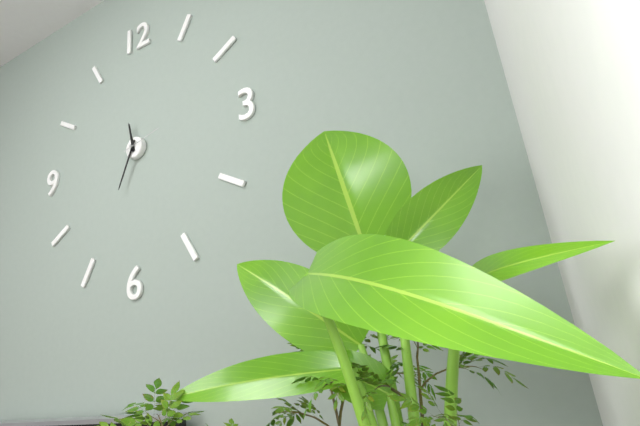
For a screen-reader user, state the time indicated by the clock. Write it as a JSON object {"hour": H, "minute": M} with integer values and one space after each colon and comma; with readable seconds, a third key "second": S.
{"hour": 11, "minute": 34}
